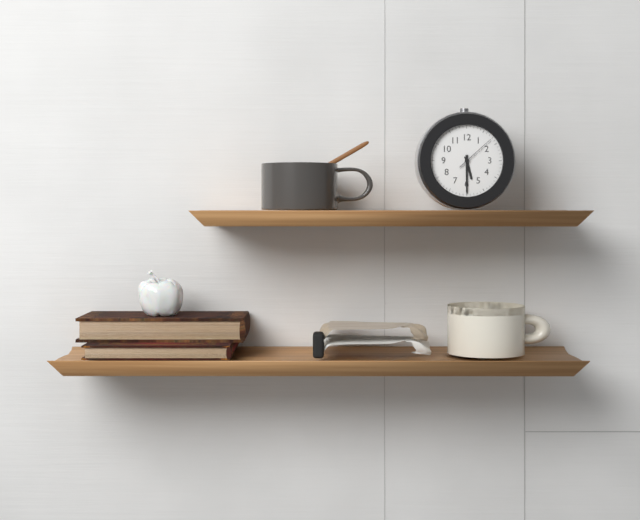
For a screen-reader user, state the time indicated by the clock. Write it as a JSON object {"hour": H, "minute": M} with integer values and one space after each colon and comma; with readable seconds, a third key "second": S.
{"hour": 5, "minute": 30}
